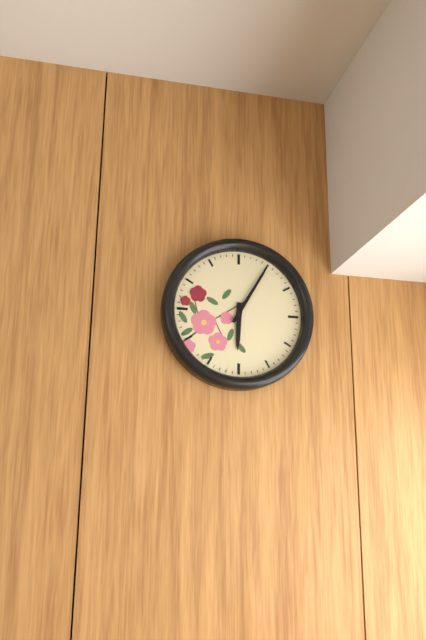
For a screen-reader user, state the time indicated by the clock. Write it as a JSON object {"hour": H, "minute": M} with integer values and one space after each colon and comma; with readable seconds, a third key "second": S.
{"hour": 6, "minute": 5}
